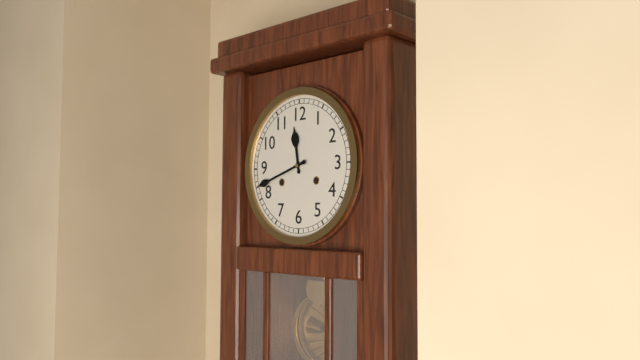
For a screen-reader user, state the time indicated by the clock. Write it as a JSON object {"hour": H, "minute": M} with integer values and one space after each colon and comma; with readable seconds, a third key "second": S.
{"hour": 11, "minute": 42}
